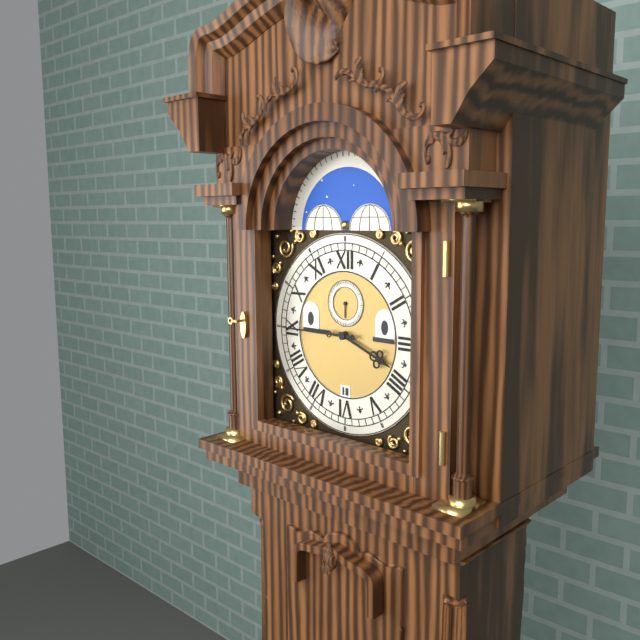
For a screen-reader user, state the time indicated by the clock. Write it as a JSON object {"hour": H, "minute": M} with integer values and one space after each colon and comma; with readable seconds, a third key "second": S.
{"hour": 3, "minute": 45}
